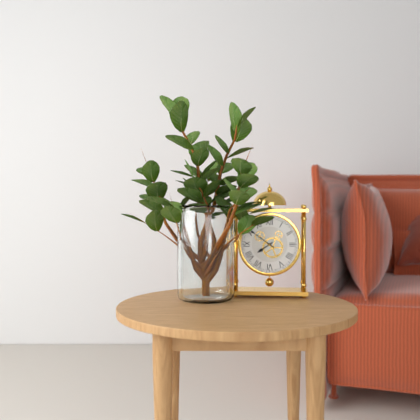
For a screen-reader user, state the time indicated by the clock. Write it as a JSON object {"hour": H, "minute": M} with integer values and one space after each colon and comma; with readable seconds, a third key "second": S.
{"hour": 7, "minute": 51}
